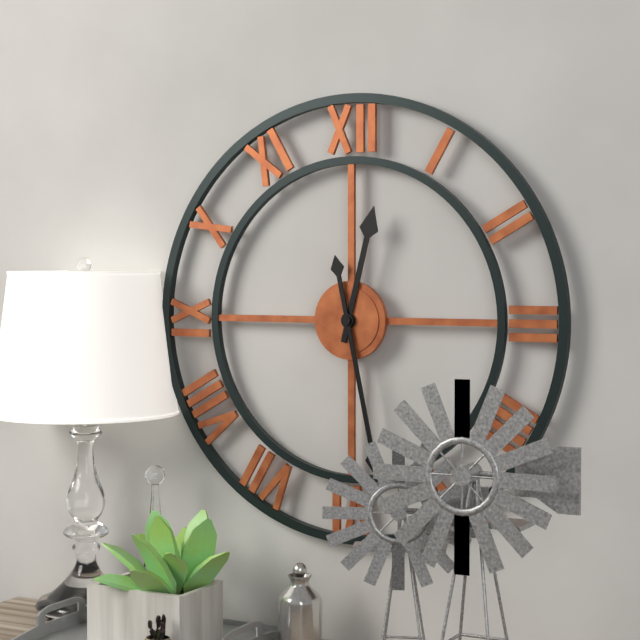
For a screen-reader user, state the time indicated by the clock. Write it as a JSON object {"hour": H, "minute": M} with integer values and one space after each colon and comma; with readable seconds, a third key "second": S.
{"hour": 12, "minute": 28}
